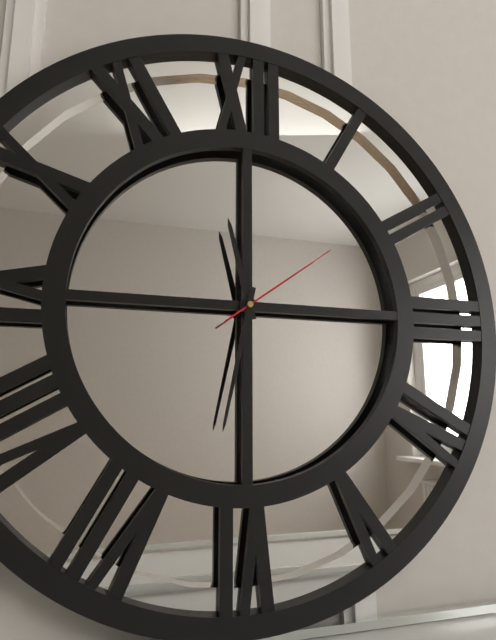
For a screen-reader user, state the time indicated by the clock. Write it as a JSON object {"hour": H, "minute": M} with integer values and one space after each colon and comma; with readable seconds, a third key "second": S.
{"hour": 11, "minute": 32, "second": 9}
